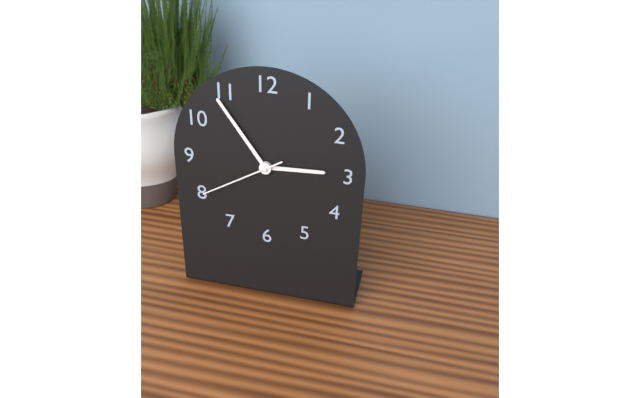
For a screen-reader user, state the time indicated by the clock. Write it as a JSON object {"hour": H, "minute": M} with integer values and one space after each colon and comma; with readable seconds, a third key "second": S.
{"hour": 2, "minute": 54, "second": 40}
